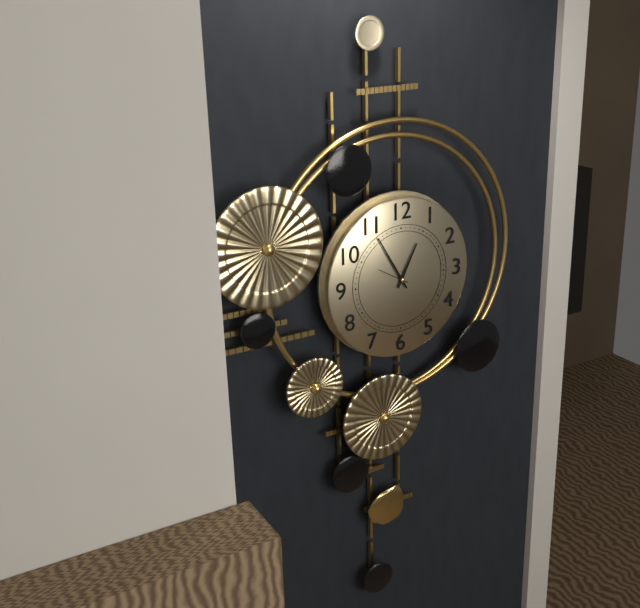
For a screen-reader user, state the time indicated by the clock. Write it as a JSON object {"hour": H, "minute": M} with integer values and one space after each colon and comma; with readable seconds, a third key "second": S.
{"hour": 12, "minute": 55}
